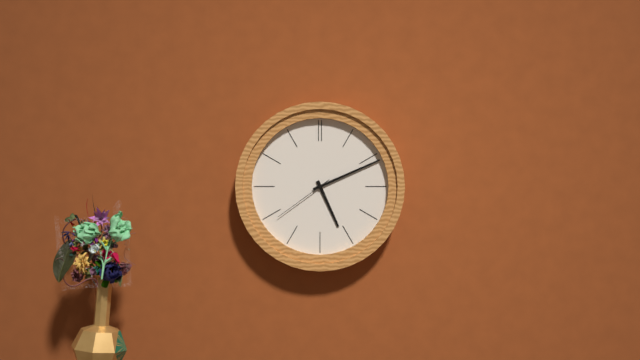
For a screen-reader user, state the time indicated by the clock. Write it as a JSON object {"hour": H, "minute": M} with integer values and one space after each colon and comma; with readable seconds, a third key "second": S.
{"hour": 5, "minute": 11, "second": 39}
